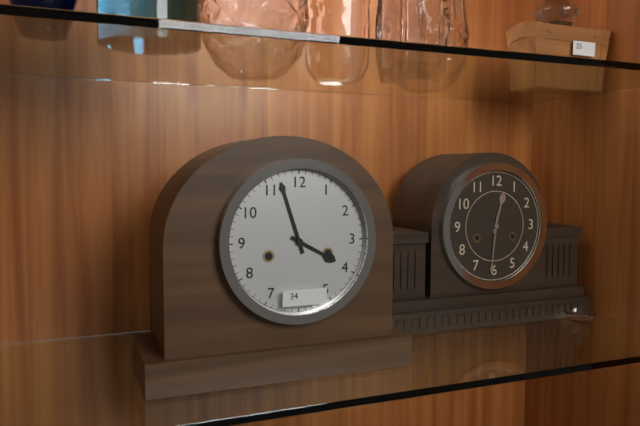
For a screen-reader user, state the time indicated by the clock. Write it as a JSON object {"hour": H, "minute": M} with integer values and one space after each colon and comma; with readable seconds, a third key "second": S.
{"hour": 3, "minute": 57}
